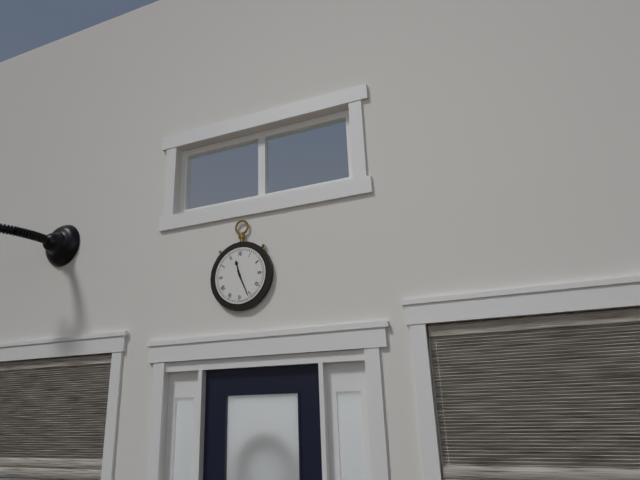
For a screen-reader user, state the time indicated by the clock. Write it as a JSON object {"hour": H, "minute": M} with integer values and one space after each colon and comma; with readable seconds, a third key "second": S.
{"hour": 11, "minute": 26}
